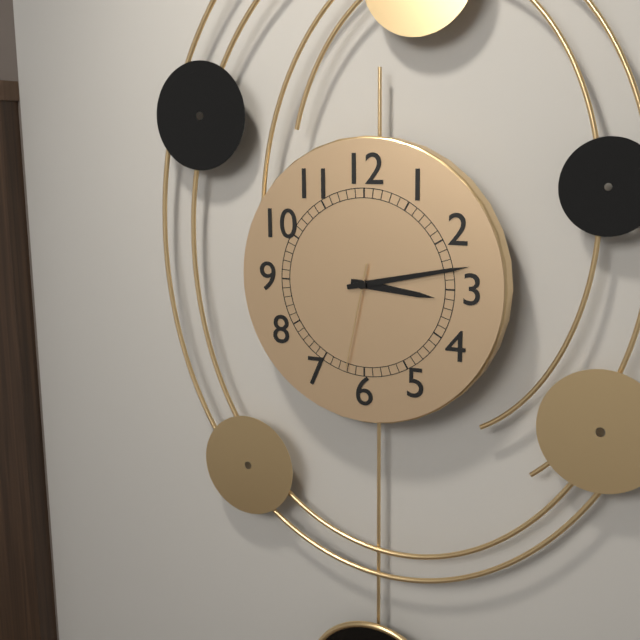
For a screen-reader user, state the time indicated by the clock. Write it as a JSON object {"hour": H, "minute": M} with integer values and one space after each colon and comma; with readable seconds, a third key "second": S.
{"hour": 3, "minute": 13, "second": 32}
